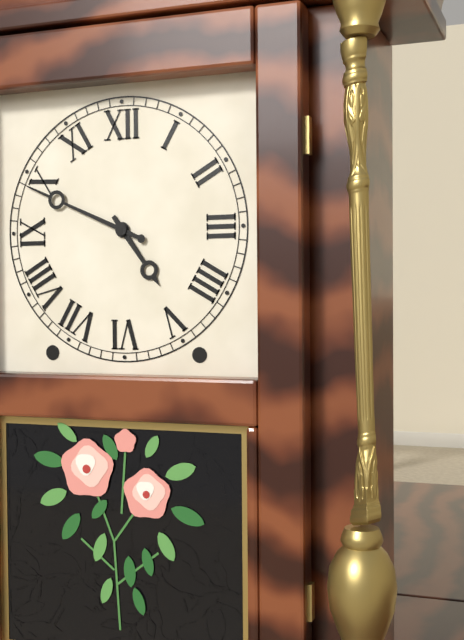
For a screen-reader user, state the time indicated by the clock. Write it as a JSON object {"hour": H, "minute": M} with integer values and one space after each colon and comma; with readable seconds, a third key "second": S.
{"hour": 4, "minute": 49}
